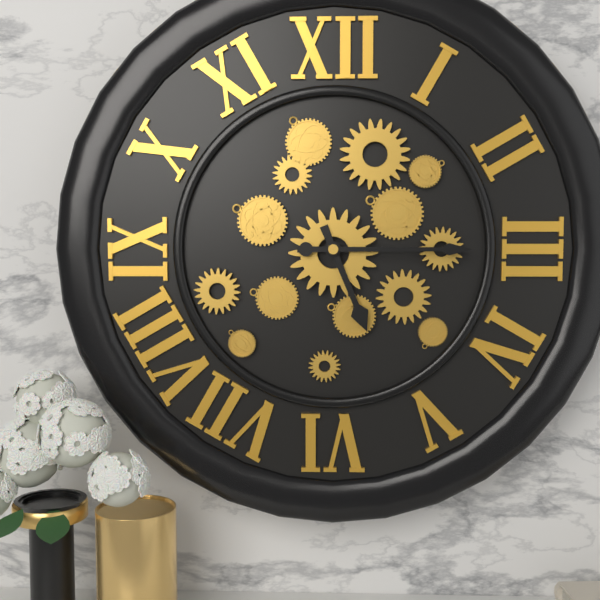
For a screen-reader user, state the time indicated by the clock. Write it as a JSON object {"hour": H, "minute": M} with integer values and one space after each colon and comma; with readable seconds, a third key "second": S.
{"hour": 5, "minute": 15}
